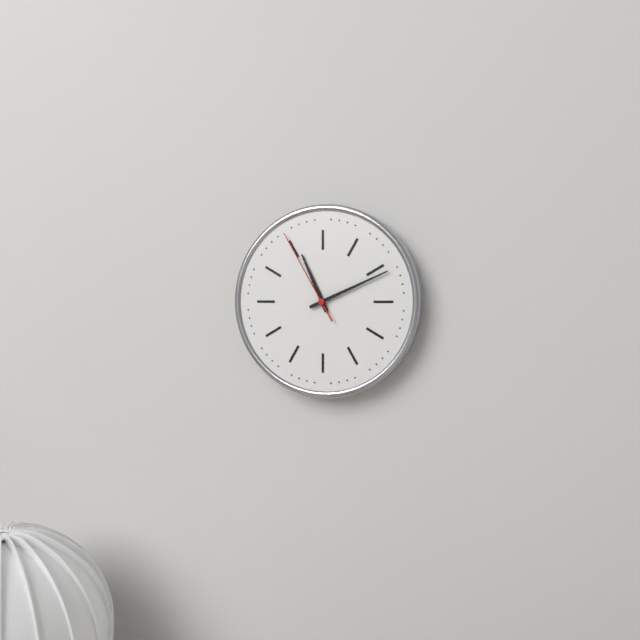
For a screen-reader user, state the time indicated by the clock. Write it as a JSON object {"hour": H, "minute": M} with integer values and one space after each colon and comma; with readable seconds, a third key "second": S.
{"hour": 11, "minute": 11, "second": 55}
